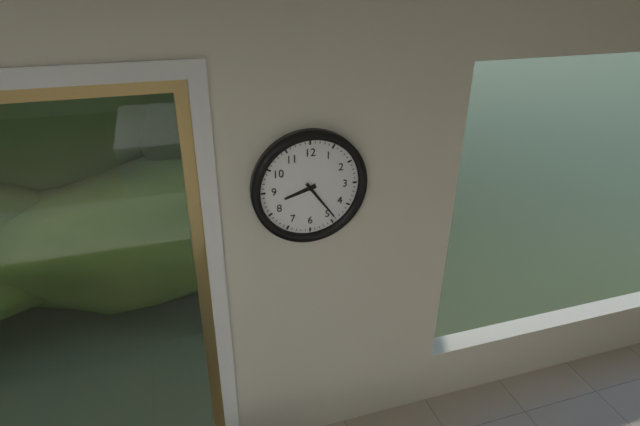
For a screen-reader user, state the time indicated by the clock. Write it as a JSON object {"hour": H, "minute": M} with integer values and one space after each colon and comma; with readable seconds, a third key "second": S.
{"hour": 8, "minute": 24}
